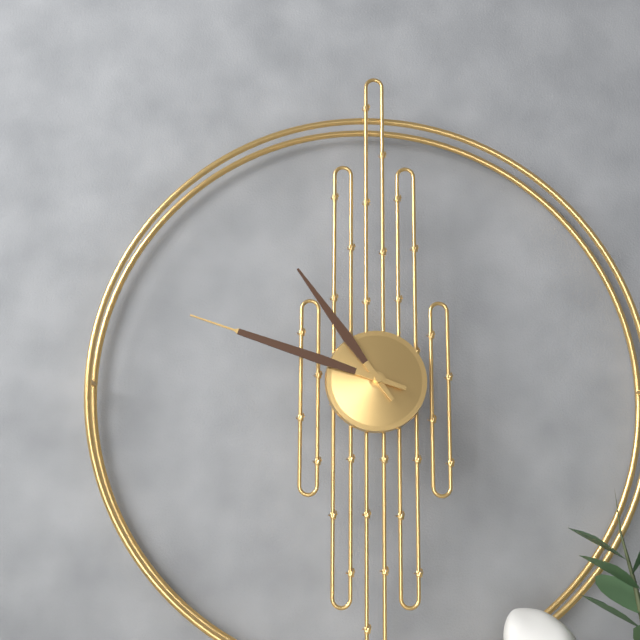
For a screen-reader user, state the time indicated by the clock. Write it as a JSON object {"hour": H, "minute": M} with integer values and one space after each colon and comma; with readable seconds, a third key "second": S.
{"hour": 10, "minute": 48}
